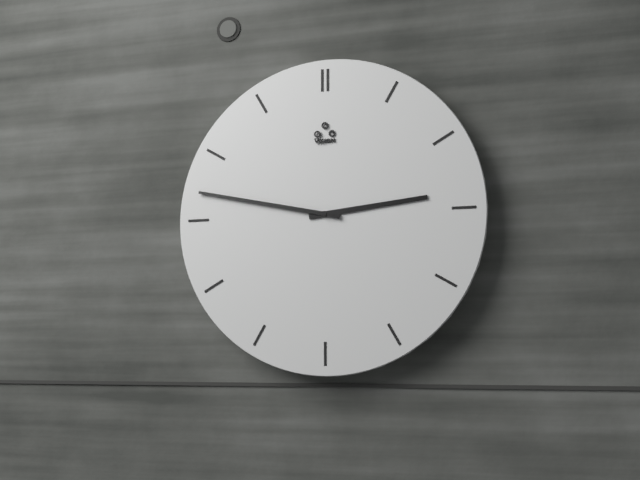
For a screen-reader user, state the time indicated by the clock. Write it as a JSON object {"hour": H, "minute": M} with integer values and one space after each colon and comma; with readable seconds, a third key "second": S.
{"hour": 2, "minute": 47}
